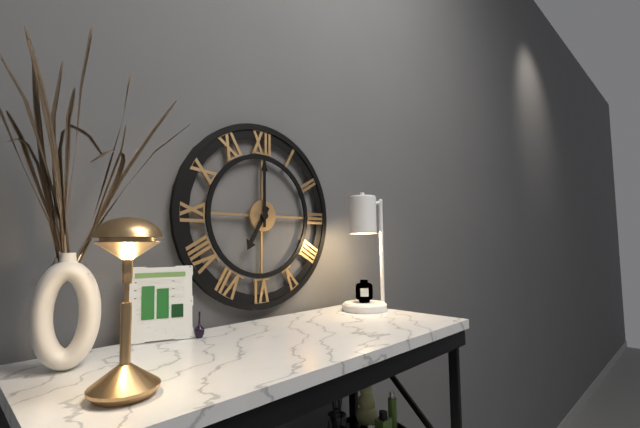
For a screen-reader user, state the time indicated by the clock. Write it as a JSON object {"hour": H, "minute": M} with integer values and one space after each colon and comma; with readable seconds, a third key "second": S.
{"hour": 7, "minute": 0}
